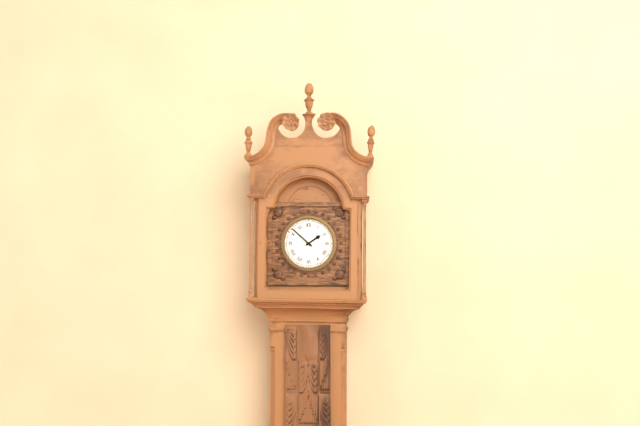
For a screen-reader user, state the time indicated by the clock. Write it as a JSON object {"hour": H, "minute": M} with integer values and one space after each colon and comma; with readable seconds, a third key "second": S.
{"hour": 1, "minute": 52}
